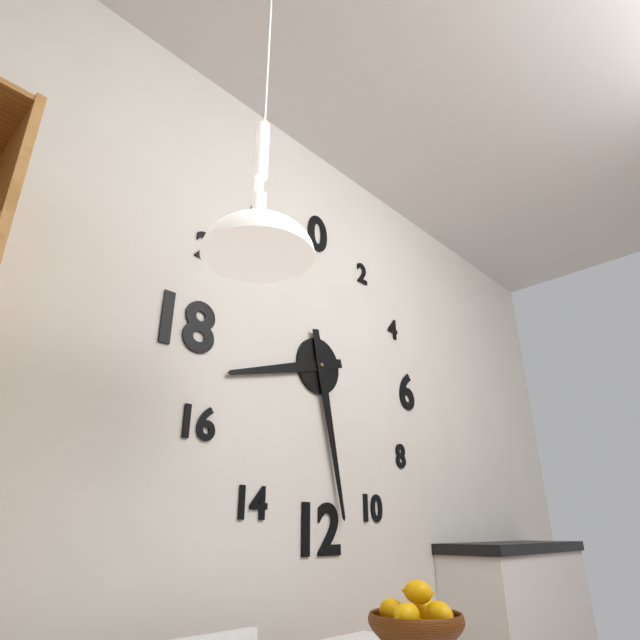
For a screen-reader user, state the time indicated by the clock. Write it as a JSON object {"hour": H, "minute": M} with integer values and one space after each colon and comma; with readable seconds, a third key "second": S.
{"hour": 8, "minute": 28}
